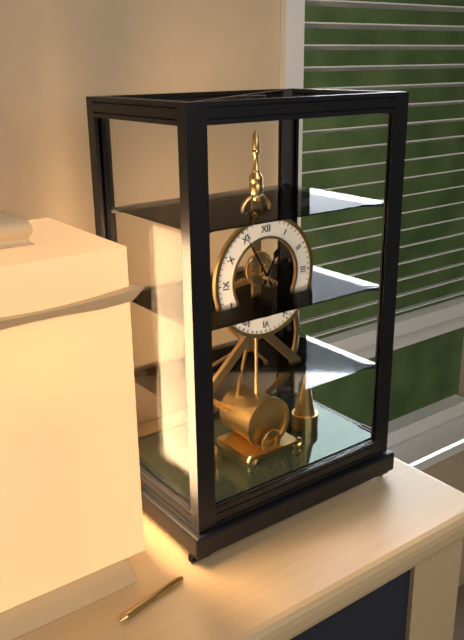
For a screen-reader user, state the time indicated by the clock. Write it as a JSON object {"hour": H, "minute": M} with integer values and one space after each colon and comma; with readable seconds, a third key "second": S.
{"hour": 12, "minute": 55}
